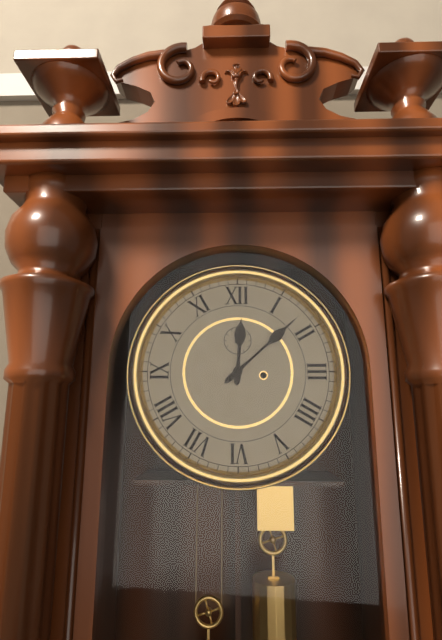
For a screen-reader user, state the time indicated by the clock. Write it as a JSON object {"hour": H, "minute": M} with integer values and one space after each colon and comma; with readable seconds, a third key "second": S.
{"hour": 12, "minute": 8}
